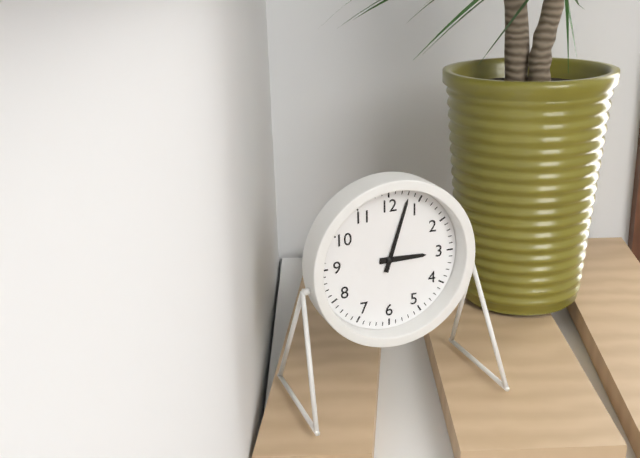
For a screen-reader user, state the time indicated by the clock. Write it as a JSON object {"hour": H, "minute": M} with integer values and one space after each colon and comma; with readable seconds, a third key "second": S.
{"hour": 3, "minute": 3}
